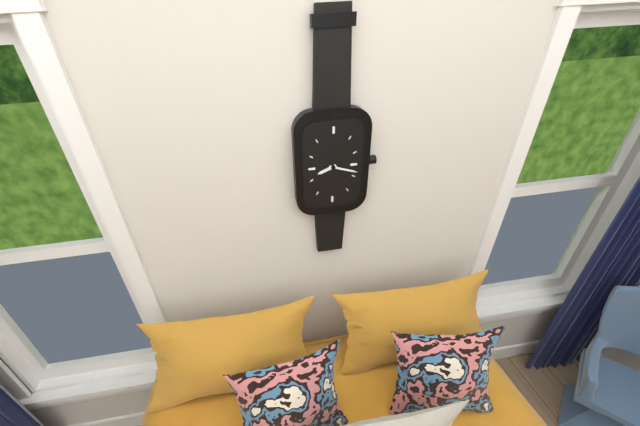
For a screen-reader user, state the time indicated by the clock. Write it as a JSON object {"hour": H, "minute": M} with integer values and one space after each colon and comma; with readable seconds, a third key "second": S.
{"hour": 8, "minute": 18}
